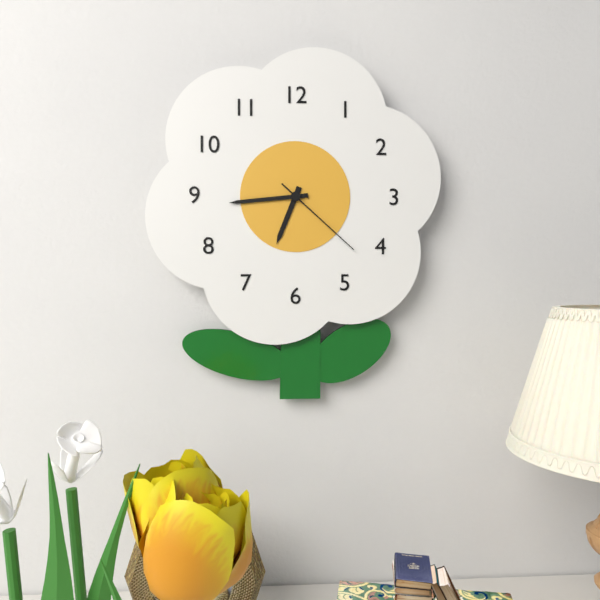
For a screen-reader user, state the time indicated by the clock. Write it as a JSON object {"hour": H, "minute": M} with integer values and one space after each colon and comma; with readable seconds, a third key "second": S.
{"hour": 6, "minute": 44, "second": 22}
